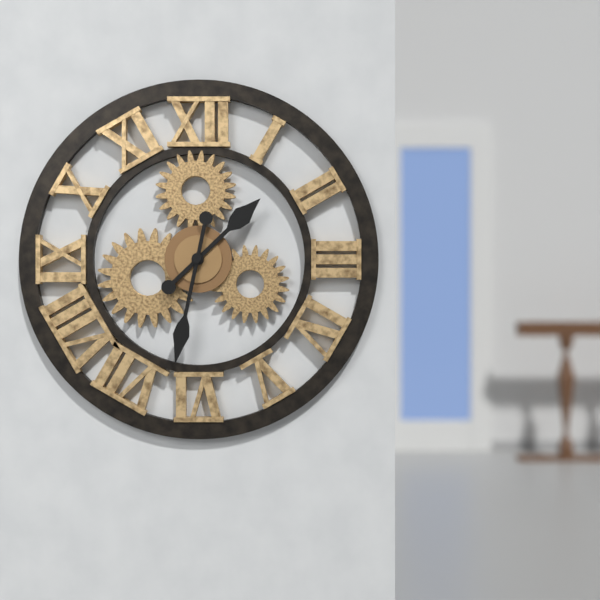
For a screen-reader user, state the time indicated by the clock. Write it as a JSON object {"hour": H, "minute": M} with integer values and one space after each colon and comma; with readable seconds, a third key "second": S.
{"hour": 1, "minute": 32}
